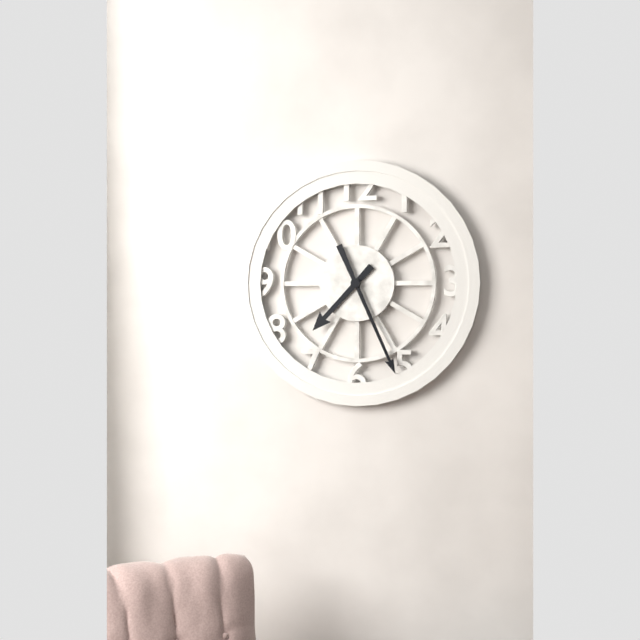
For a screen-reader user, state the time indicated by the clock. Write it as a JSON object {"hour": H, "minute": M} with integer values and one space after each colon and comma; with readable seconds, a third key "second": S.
{"hour": 7, "minute": 26}
